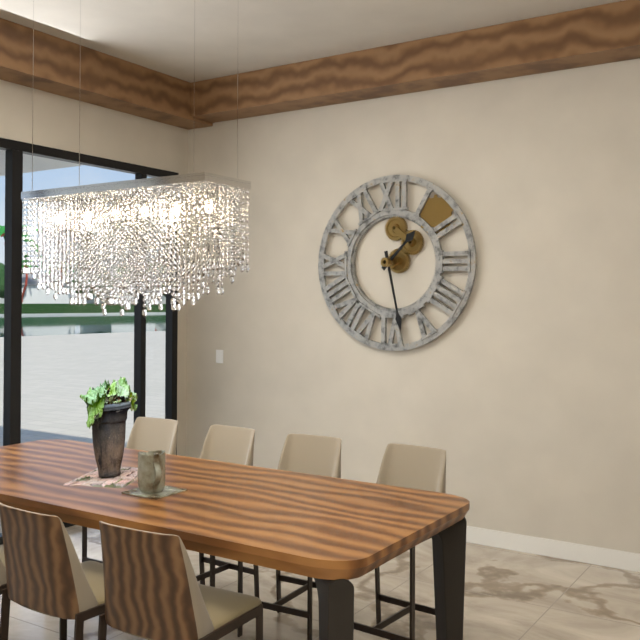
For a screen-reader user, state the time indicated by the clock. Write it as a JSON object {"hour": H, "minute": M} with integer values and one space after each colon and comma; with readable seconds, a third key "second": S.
{"hour": 1, "minute": 28}
